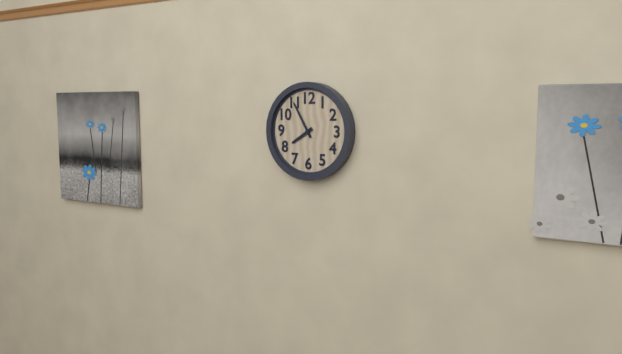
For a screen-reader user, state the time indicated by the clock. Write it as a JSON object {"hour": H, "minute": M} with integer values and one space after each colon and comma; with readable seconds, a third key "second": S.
{"hour": 7, "minute": 55}
